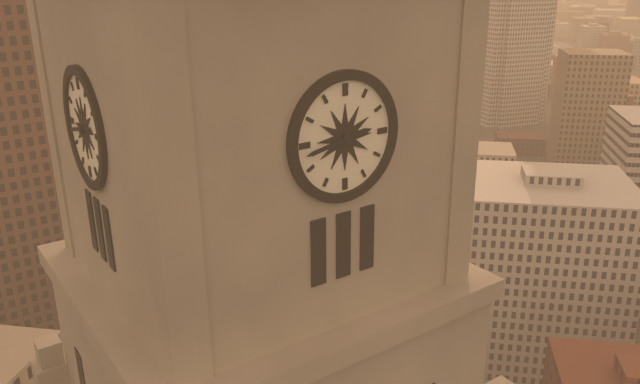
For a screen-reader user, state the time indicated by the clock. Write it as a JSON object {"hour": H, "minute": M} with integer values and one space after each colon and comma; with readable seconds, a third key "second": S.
{"hour": 2, "minute": 43}
